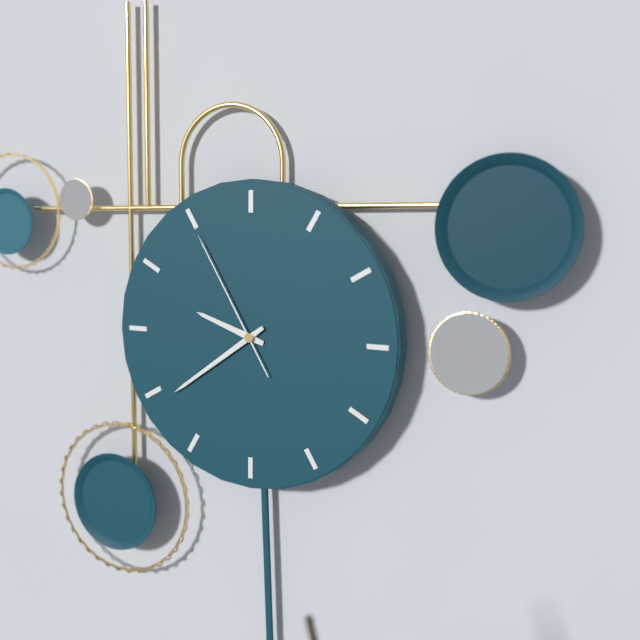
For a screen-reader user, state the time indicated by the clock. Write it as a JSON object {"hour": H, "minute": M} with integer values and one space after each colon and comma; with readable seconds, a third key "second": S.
{"hour": 9, "minute": 39, "second": 55}
